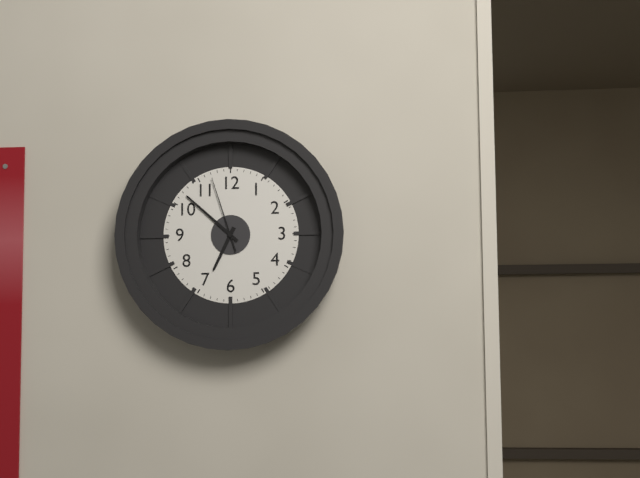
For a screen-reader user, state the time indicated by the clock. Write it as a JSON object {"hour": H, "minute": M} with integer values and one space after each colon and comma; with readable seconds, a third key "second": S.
{"hour": 6, "minute": 52, "second": 57}
